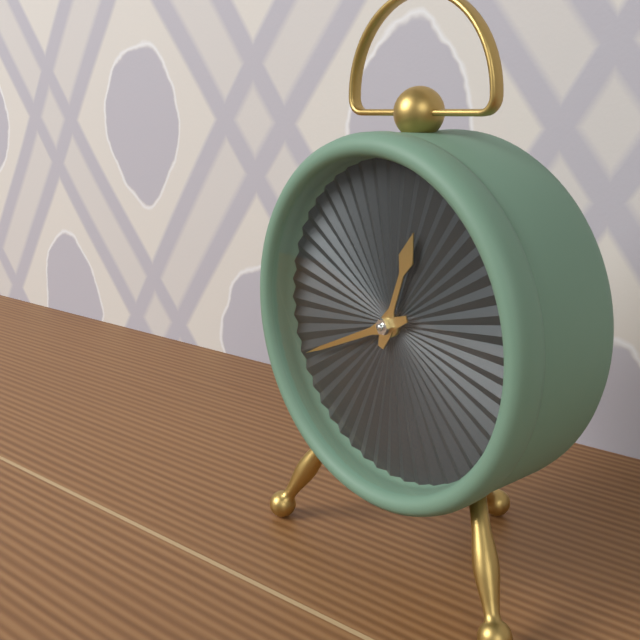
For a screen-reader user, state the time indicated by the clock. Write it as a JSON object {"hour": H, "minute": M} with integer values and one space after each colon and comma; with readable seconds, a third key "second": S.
{"hour": 12, "minute": 41}
